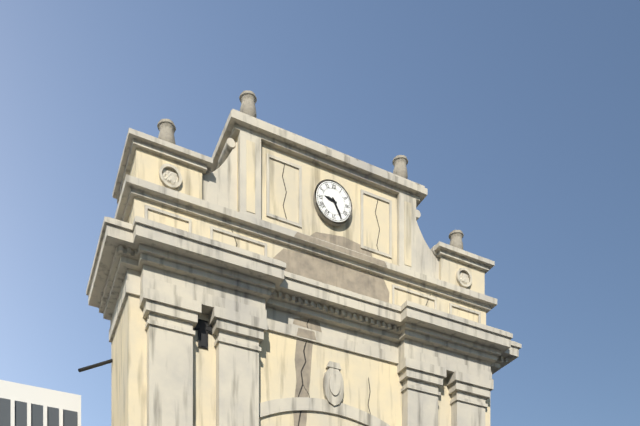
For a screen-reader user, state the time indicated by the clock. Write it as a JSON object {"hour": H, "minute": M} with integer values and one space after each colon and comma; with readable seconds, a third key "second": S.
{"hour": 9, "minute": 25}
